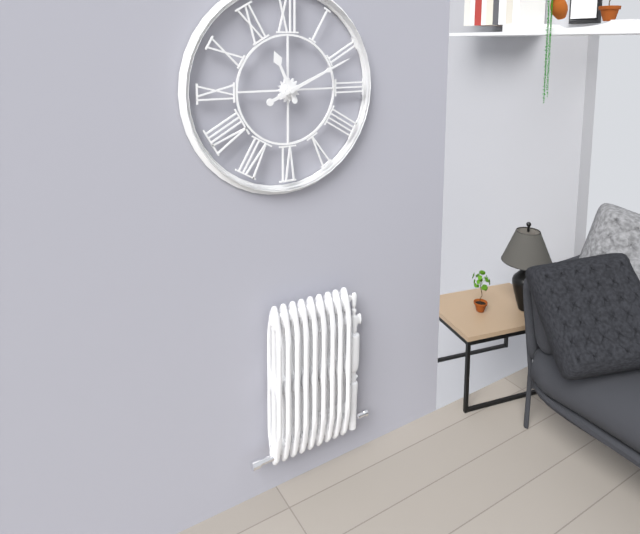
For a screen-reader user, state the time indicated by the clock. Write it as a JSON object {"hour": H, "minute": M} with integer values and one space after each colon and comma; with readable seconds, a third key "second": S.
{"hour": 11, "minute": 11}
